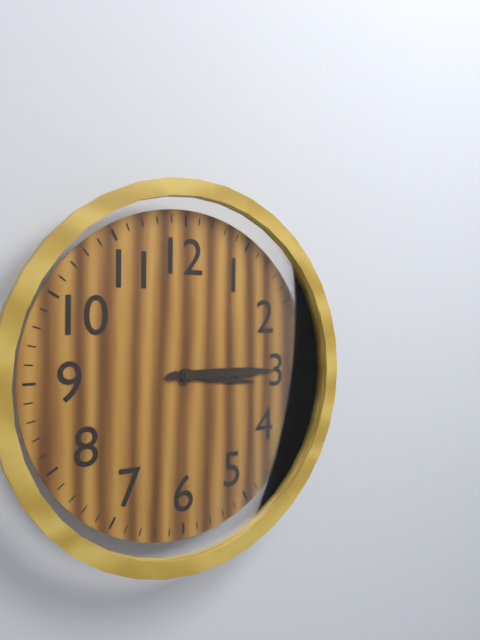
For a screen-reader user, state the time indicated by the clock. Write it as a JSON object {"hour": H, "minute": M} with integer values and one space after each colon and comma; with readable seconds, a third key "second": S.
{"hour": 3, "minute": 15}
